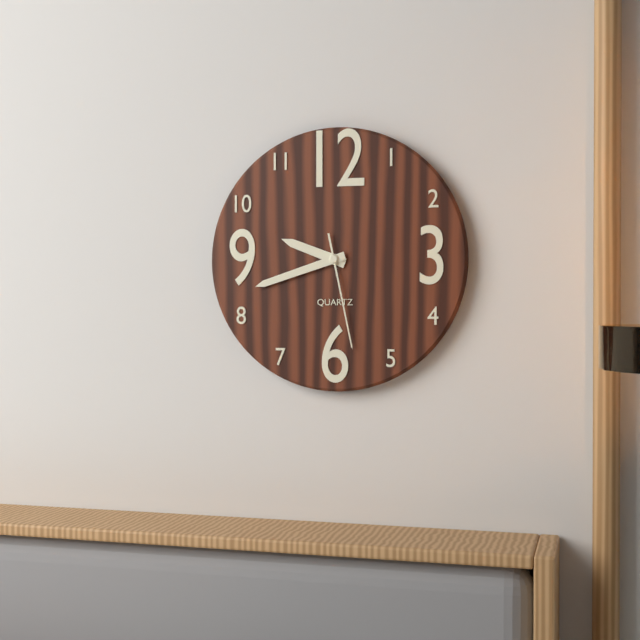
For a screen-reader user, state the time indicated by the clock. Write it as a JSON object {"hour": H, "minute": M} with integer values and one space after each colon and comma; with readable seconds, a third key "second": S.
{"hour": 9, "minute": 42, "second": 28}
